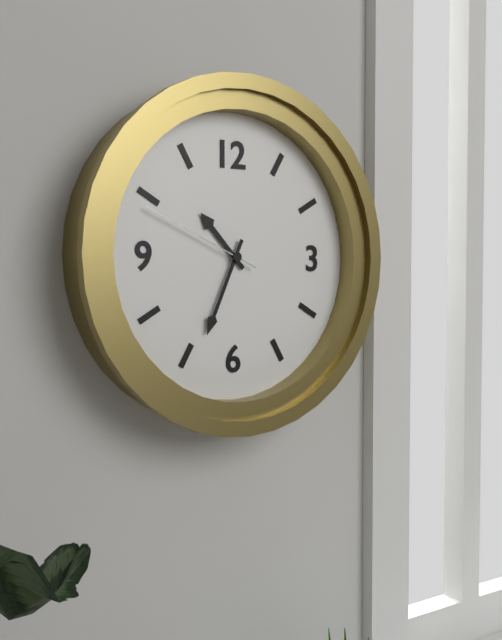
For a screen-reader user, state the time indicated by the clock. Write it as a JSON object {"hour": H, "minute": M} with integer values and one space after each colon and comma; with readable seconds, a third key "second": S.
{"hour": 10, "minute": 34, "second": 49}
